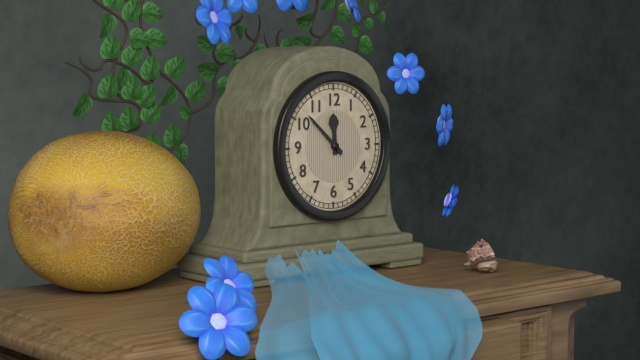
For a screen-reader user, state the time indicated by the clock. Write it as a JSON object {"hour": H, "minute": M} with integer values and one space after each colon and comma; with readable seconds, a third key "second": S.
{"hour": 11, "minute": 52}
